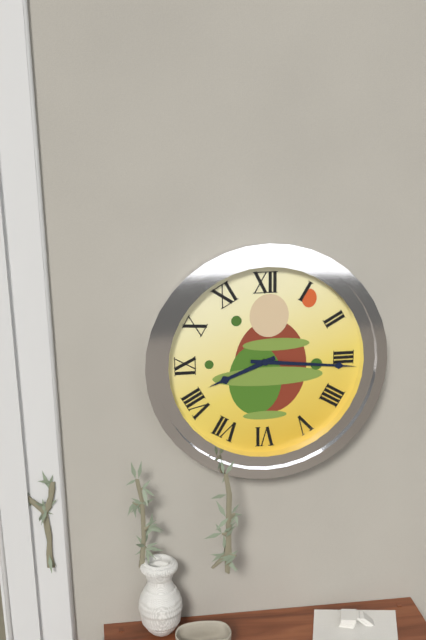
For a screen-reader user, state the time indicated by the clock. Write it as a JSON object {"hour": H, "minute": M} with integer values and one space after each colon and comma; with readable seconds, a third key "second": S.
{"hour": 8, "minute": 16}
